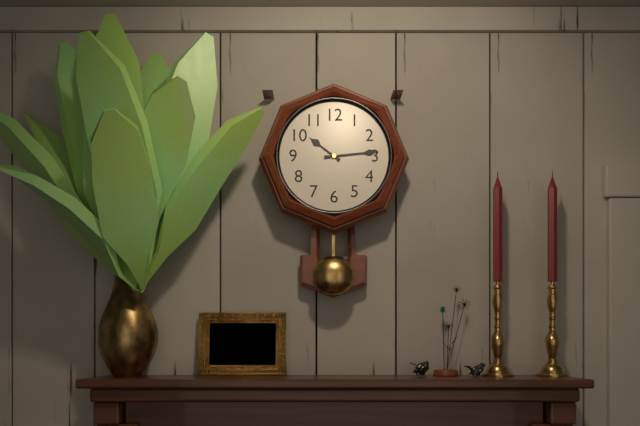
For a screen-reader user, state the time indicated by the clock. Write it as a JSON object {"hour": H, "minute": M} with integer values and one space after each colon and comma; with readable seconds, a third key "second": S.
{"hour": 10, "minute": 14}
